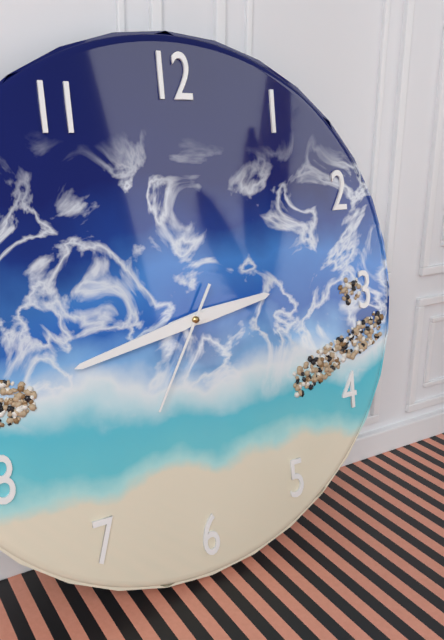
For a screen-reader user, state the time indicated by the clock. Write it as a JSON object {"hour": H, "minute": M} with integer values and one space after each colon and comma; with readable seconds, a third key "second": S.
{"hour": 2, "minute": 43, "second": 35}
